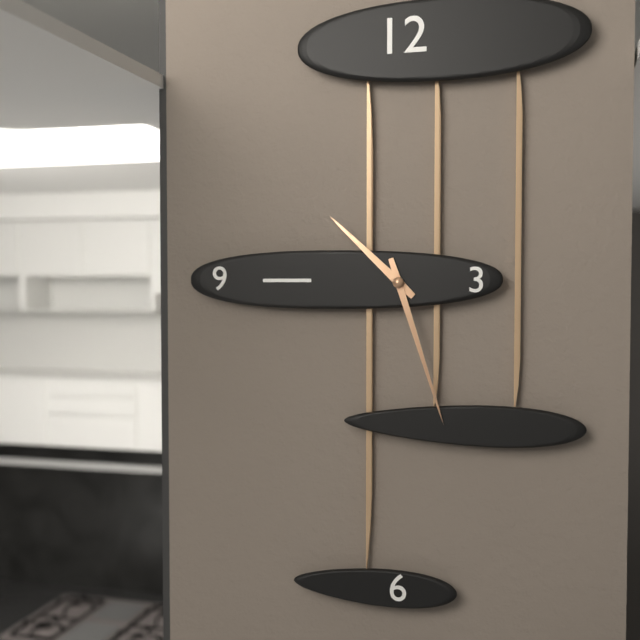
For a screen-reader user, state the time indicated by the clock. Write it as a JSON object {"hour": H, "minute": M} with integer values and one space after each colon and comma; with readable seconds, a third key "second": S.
{"hour": 10, "minute": 27}
